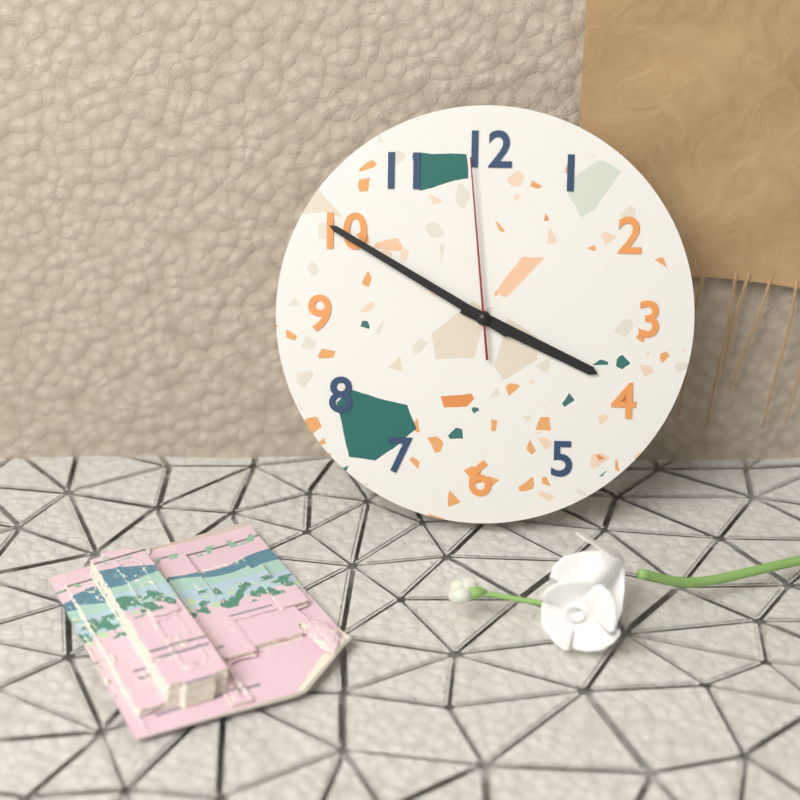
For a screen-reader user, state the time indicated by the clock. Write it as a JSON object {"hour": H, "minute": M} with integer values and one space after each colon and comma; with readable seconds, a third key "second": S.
{"hour": 3, "minute": 50, "second": 59}
